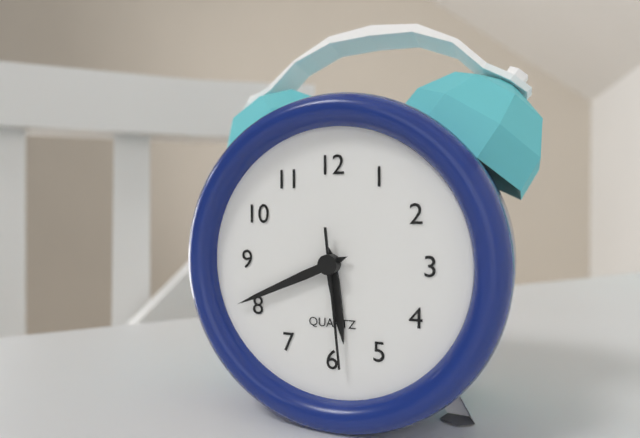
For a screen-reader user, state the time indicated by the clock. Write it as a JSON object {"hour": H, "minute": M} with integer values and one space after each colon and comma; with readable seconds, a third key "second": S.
{"hour": 5, "minute": 41, "second": 29}
